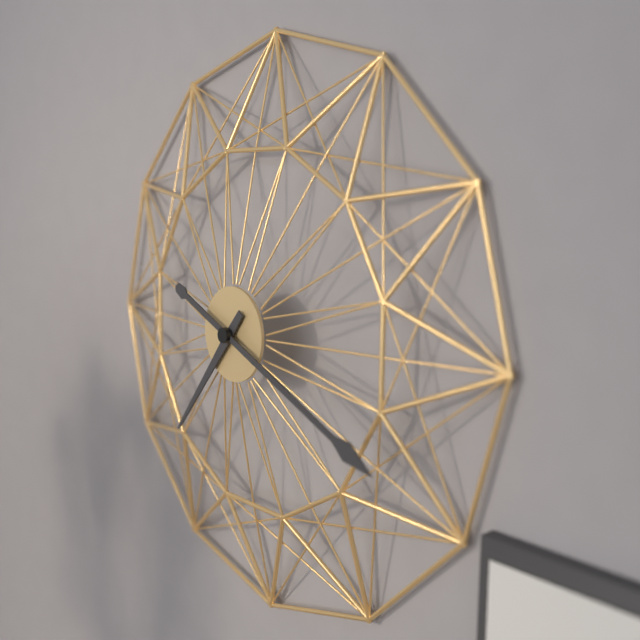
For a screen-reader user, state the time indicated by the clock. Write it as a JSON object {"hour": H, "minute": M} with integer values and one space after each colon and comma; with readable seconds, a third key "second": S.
{"hour": 7, "minute": 19}
